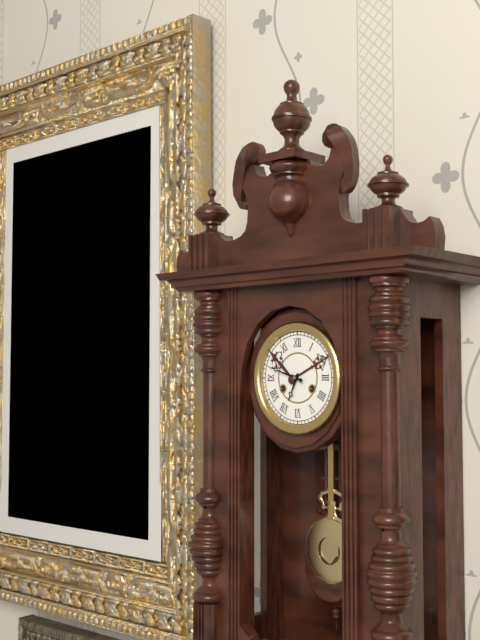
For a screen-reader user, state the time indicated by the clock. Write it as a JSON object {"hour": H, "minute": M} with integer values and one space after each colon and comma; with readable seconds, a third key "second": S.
{"hour": 6, "minute": 48}
